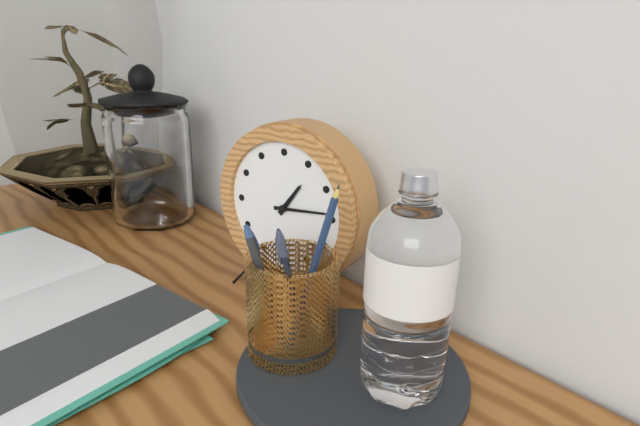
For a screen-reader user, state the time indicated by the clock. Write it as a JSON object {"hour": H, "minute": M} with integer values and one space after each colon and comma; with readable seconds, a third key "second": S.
{"hour": 1, "minute": 14}
